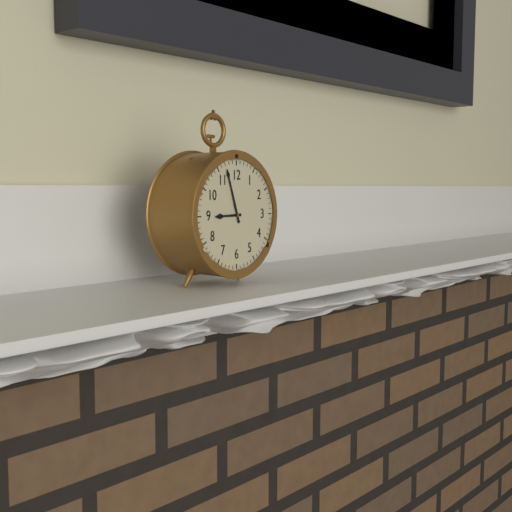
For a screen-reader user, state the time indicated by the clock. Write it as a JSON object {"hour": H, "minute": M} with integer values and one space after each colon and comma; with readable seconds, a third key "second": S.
{"hour": 8, "minute": 57}
